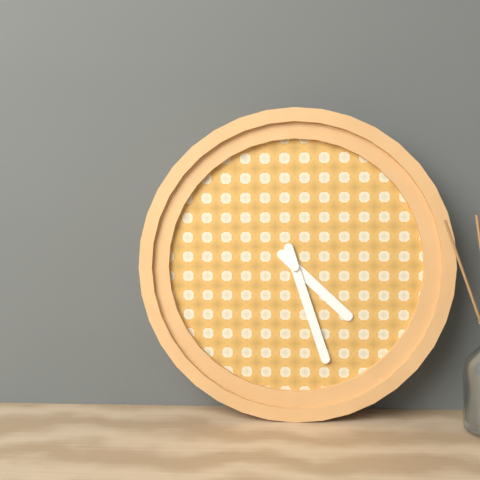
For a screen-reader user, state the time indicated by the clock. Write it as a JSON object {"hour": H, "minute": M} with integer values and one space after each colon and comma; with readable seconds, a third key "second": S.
{"hour": 4, "minute": 27}
